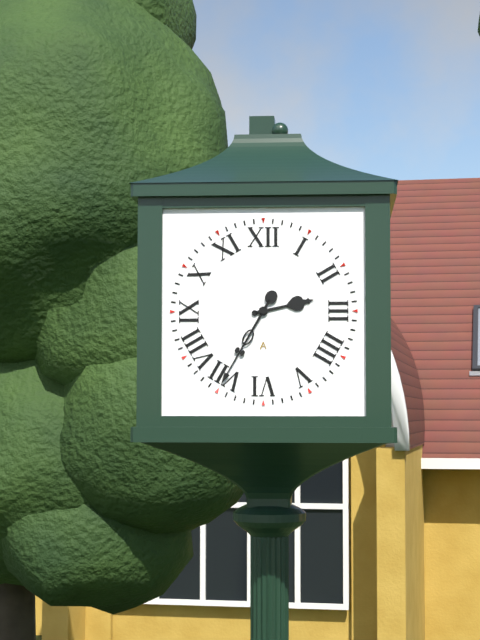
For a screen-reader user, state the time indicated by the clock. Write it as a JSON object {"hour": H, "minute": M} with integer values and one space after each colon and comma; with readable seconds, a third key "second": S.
{"hour": 2, "minute": 35}
